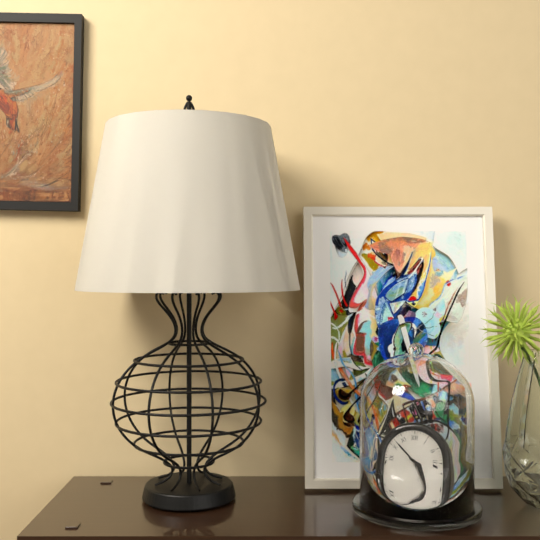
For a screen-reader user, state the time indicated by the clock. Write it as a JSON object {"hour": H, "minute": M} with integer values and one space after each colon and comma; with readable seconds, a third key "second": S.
{"hour": 3, "minute": 52}
